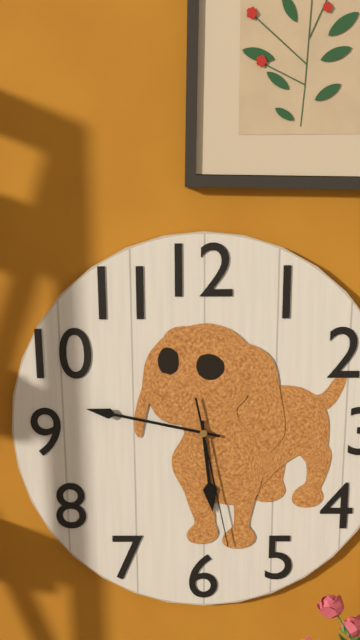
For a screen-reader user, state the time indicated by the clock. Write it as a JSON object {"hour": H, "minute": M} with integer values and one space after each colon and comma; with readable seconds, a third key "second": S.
{"hour": 5, "minute": 47, "second": 28}
